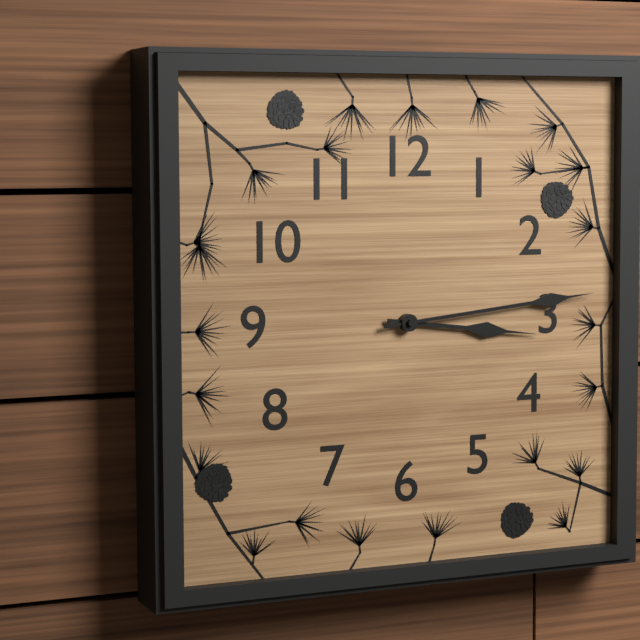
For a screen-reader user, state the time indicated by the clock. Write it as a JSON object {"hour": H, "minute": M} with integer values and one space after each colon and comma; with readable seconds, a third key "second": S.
{"hour": 3, "minute": 14}
